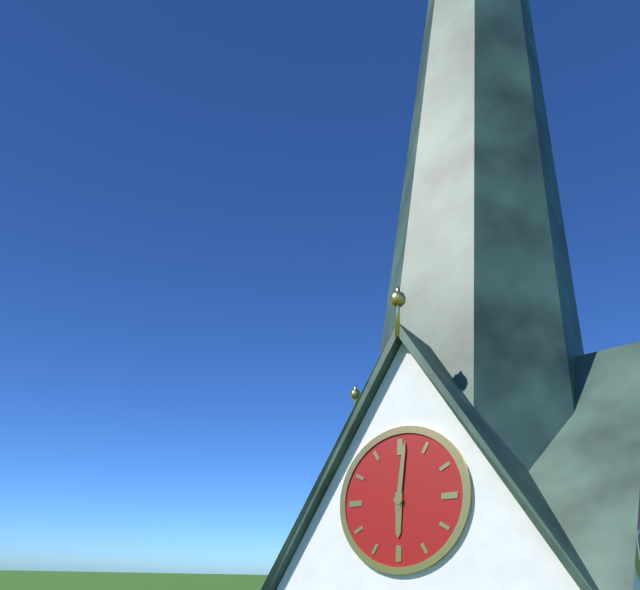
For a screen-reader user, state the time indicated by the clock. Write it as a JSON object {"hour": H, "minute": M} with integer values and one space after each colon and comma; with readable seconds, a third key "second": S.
{"hour": 6, "minute": 1}
